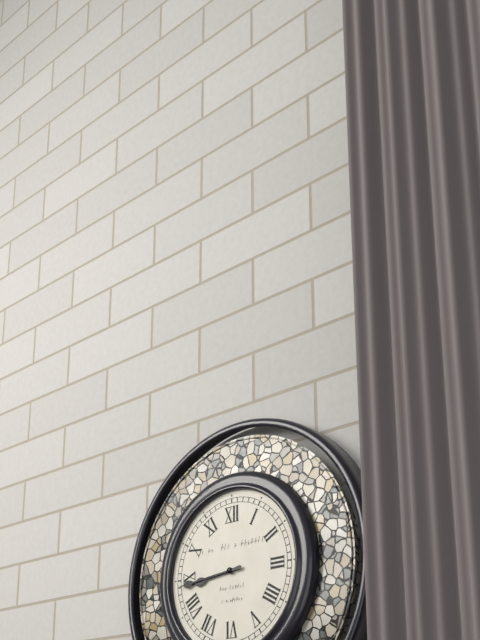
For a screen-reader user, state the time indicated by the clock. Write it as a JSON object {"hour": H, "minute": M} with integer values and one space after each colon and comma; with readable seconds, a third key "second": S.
{"hour": 8, "minute": 44}
